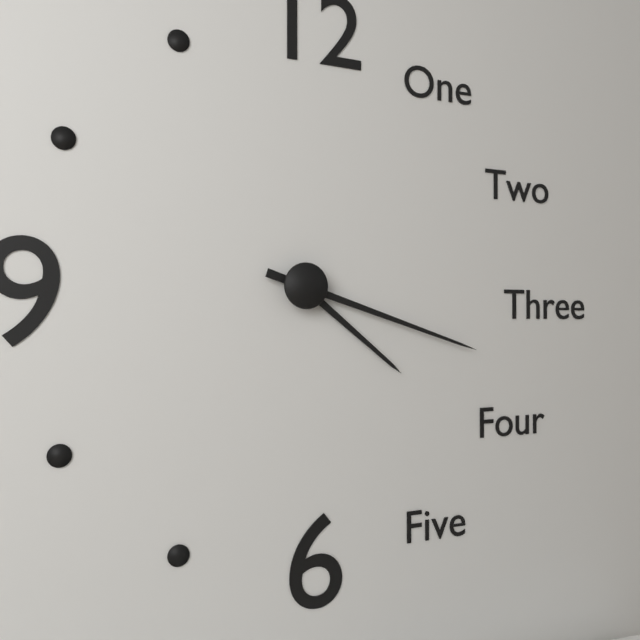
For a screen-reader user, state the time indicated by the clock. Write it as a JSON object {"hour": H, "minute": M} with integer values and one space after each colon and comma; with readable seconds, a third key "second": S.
{"hour": 4, "minute": 18}
